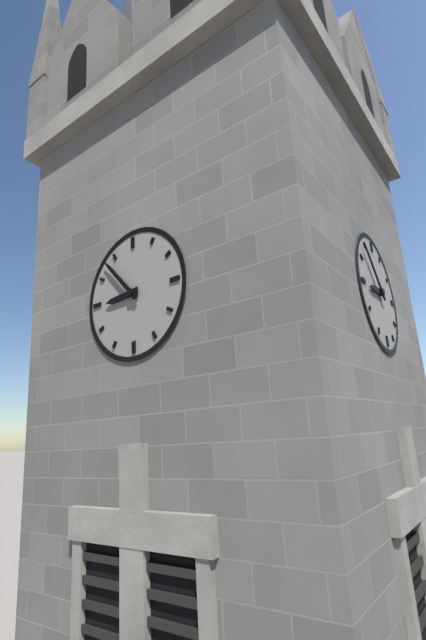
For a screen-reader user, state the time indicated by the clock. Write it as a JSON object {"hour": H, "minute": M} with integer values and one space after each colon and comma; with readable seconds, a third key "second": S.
{"hour": 8, "minute": 53}
